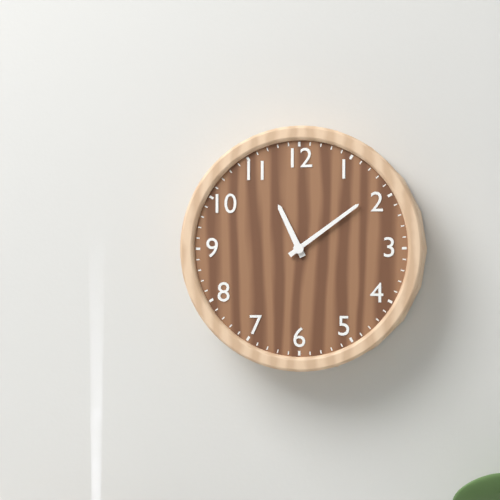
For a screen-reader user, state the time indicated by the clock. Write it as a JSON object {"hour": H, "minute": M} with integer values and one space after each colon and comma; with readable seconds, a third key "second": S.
{"hour": 11, "minute": 9}
